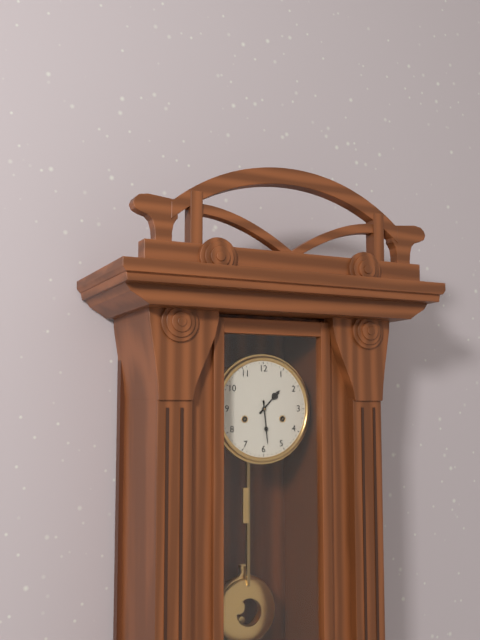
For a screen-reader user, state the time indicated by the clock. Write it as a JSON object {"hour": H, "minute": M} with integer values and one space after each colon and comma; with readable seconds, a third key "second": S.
{"hour": 1, "minute": 29}
